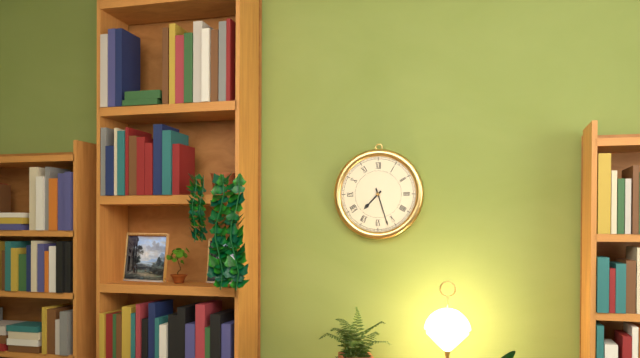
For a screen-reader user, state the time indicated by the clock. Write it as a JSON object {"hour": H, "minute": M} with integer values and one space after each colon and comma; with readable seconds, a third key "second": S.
{"hour": 7, "minute": 27}
